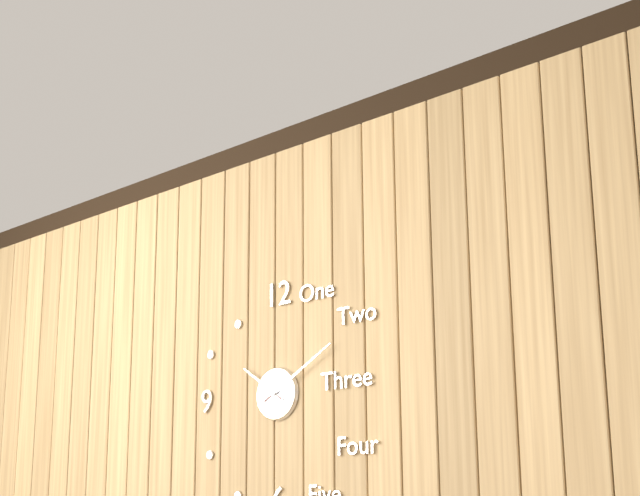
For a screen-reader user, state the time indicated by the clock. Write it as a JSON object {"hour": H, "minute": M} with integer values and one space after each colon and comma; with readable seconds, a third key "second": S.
{"hour": 10, "minute": 10}
